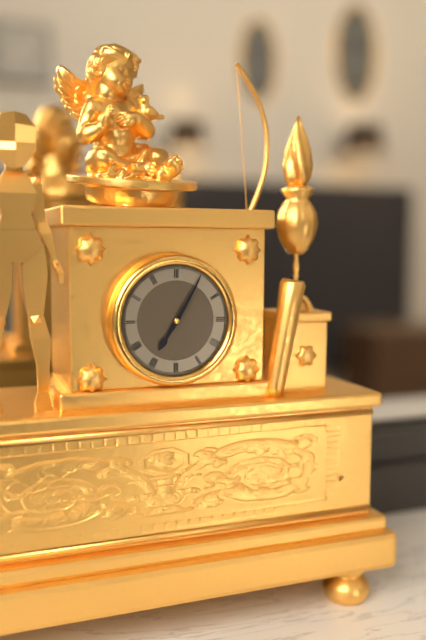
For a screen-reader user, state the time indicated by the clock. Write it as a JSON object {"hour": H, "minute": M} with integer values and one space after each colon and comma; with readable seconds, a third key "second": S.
{"hour": 7, "minute": 5}
